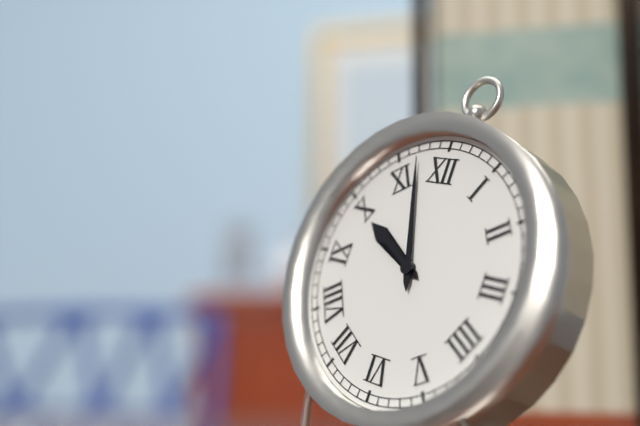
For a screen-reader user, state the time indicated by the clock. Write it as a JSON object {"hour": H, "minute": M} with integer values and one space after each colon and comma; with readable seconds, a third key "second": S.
{"hour": 9, "minute": 57}
